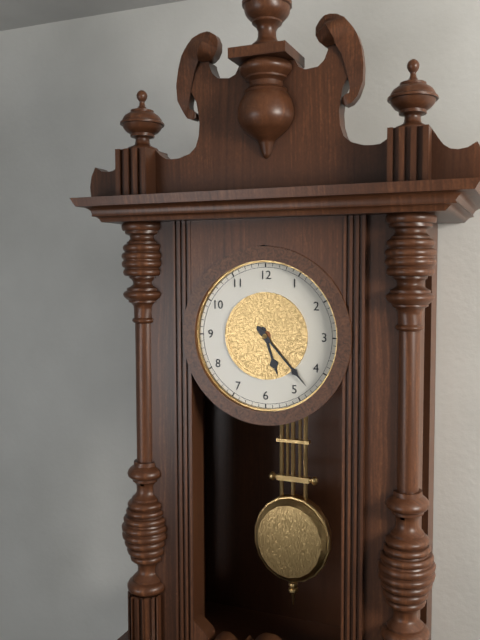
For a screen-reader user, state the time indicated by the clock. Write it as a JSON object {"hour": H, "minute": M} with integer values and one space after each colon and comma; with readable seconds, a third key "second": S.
{"hour": 5, "minute": 23}
